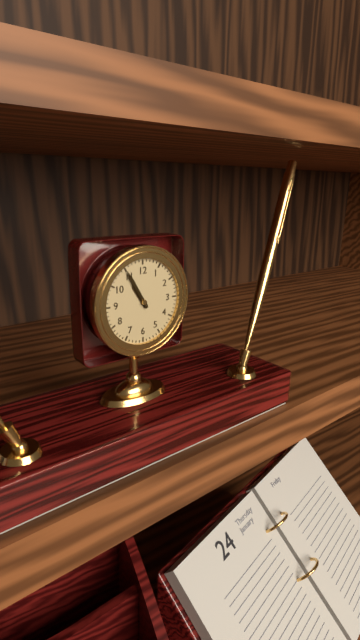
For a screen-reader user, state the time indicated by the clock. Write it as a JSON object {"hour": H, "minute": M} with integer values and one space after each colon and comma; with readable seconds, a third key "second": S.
{"hour": 10, "minute": 55}
